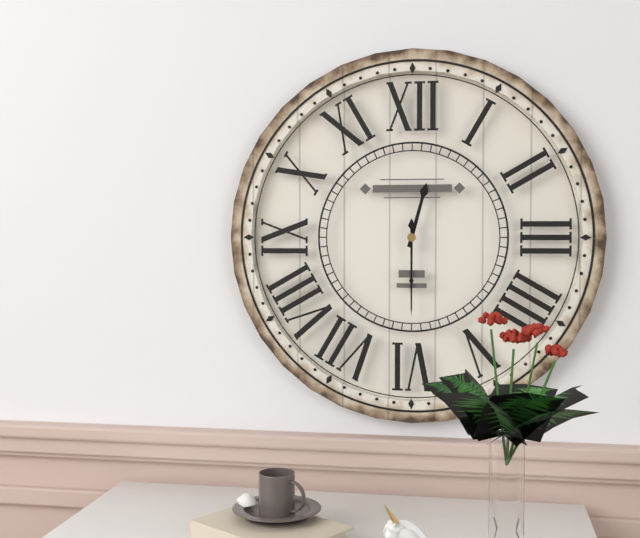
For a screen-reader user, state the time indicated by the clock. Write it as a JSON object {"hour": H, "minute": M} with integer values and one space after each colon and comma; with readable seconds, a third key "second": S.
{"hour": 12, "minute": 30}
